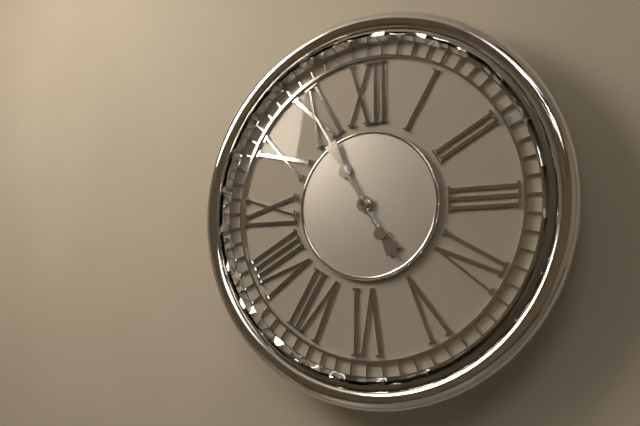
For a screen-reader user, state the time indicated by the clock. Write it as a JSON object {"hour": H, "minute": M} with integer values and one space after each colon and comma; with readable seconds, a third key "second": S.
{"hour": 4, "minute": 55}
